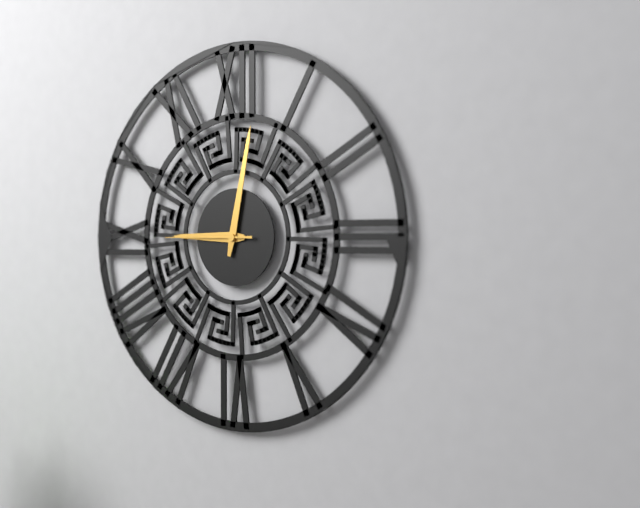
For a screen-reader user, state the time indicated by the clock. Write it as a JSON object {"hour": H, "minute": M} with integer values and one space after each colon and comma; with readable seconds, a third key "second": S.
{"hour": 9, "minute": 2, "second": 45}
